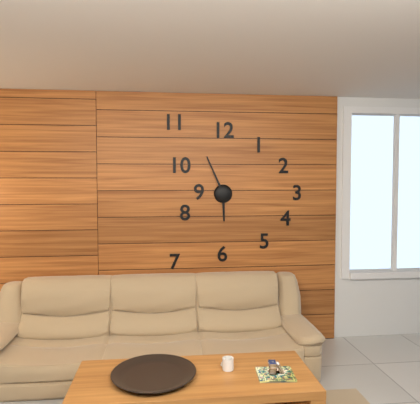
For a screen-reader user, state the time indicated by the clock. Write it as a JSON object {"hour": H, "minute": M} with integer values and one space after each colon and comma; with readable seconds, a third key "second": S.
{"hour": 5, "minute": 56}
